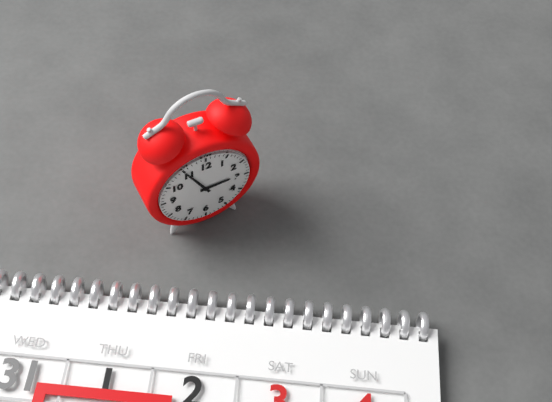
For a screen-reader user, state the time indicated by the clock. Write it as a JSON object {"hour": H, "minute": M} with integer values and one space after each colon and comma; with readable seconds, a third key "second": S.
{"hour": 2, "minute": 55}
